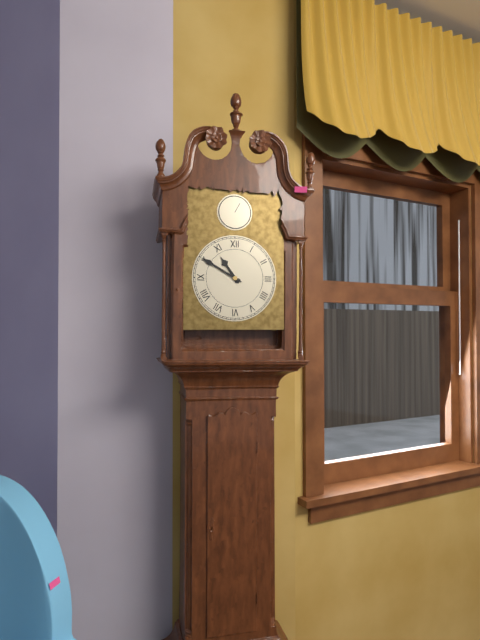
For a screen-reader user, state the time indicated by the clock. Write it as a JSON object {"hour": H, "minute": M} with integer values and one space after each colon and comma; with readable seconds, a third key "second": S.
{"hour": 10, "minute": 50}
